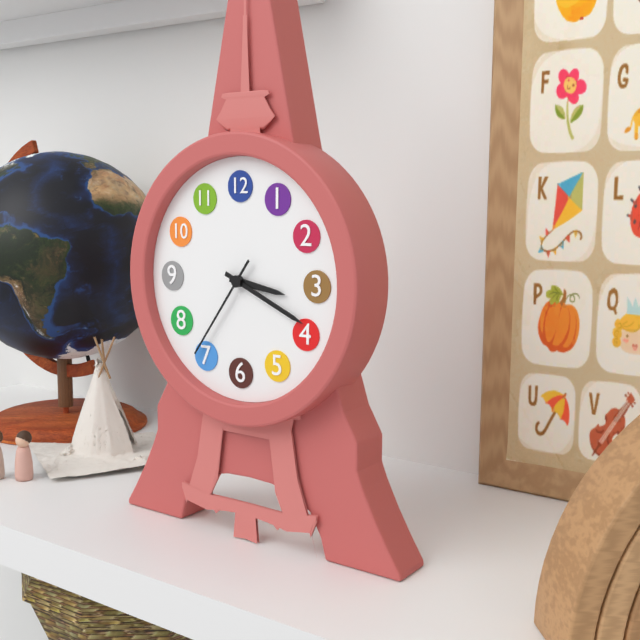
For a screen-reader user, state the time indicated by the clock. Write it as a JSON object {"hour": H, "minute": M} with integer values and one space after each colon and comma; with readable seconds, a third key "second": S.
{"hour": 3, "minute": 19, "second": 36}
